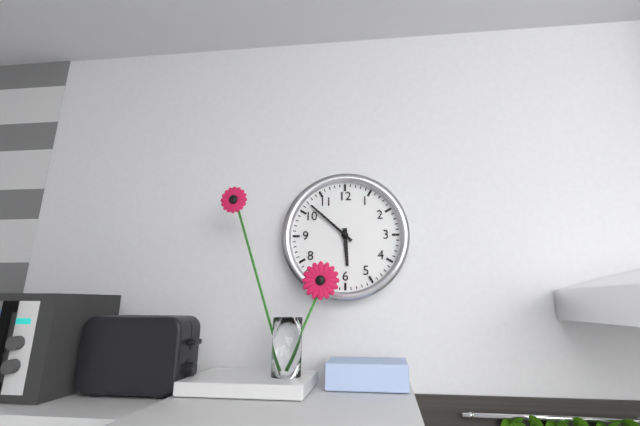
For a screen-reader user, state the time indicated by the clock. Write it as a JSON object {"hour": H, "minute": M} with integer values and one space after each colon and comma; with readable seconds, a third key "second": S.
{"hour": 5, "minute": 52}
